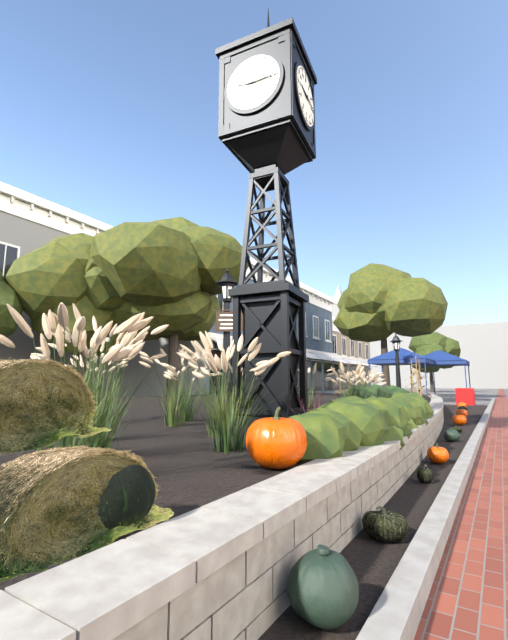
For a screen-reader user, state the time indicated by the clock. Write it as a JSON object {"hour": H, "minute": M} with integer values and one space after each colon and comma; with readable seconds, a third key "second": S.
{"hour": 9, "minute": 15}
